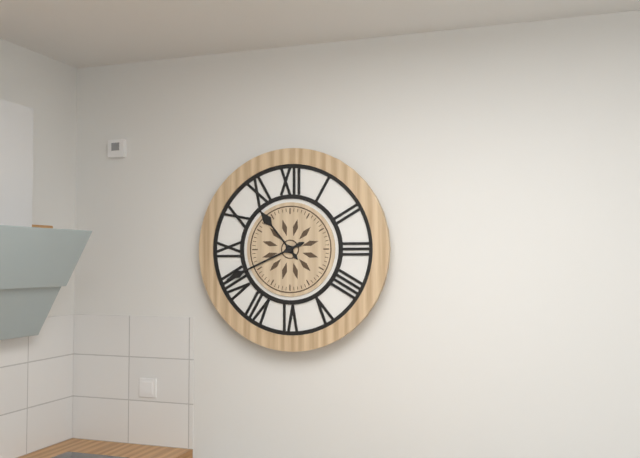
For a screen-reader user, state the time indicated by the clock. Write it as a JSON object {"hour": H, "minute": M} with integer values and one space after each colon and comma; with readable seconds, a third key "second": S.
{"hour": 10, "minute": 41}
